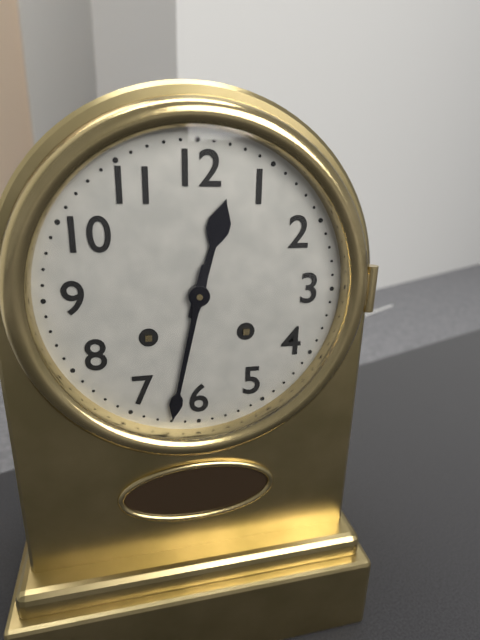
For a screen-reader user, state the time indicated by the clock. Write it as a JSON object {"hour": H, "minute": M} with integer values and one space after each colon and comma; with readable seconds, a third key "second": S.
{"hour": 12, "minute": 32}
